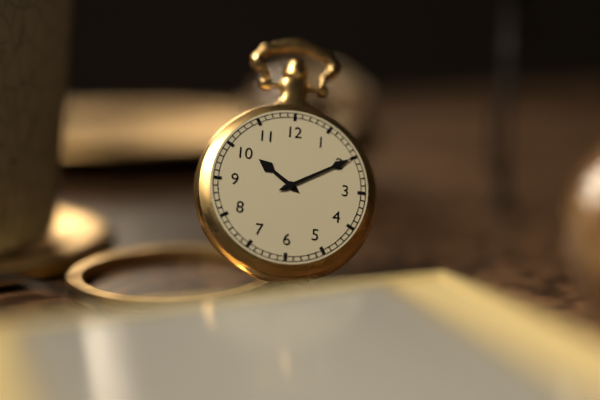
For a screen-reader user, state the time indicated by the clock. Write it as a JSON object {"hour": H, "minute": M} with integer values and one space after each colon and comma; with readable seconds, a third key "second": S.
{"hour": 10, "minute": 10}
